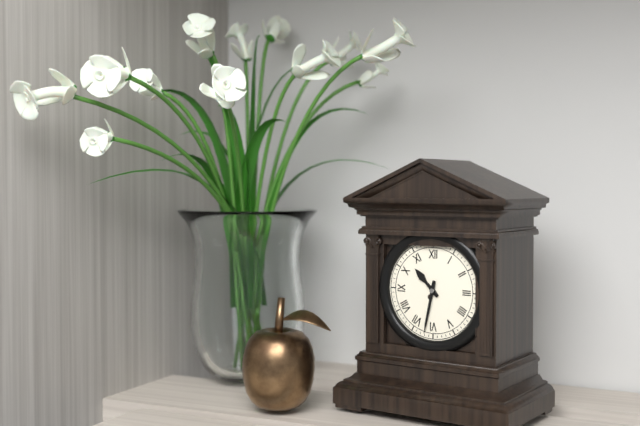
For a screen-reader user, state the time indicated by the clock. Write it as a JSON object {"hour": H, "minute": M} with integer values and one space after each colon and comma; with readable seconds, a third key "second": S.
{"hour": 10, "minute": 32}
